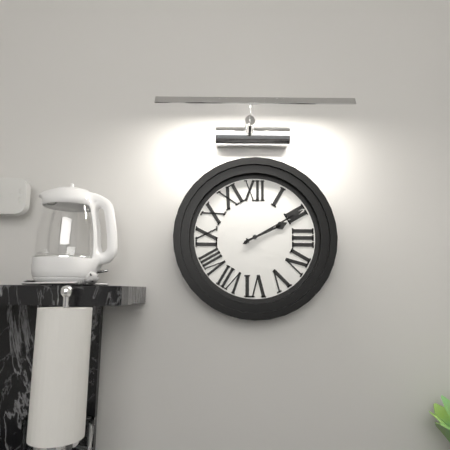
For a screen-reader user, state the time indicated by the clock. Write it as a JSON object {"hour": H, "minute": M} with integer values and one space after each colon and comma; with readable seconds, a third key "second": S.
{"hour": 2, "minute": 10}
